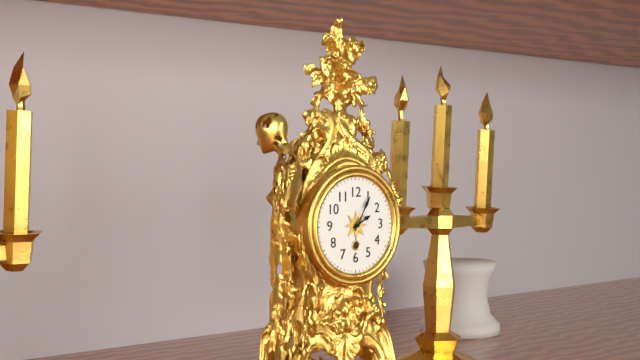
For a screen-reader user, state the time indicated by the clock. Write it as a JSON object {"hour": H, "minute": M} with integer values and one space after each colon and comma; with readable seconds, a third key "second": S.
{"hour": 2, "minute": 5}
